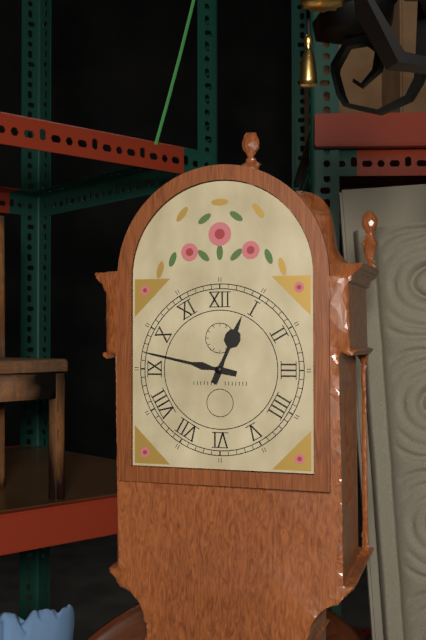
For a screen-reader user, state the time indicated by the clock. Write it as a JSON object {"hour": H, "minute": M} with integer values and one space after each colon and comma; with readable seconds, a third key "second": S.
{"hour": 12, "minute": 47}
